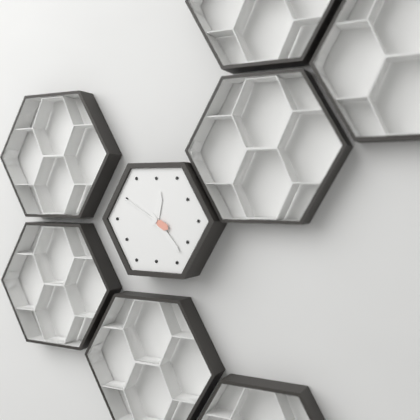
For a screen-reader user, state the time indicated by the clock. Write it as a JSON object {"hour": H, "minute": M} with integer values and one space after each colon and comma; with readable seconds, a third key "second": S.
{"hour": 12, "minute": 23, "second": 50}
